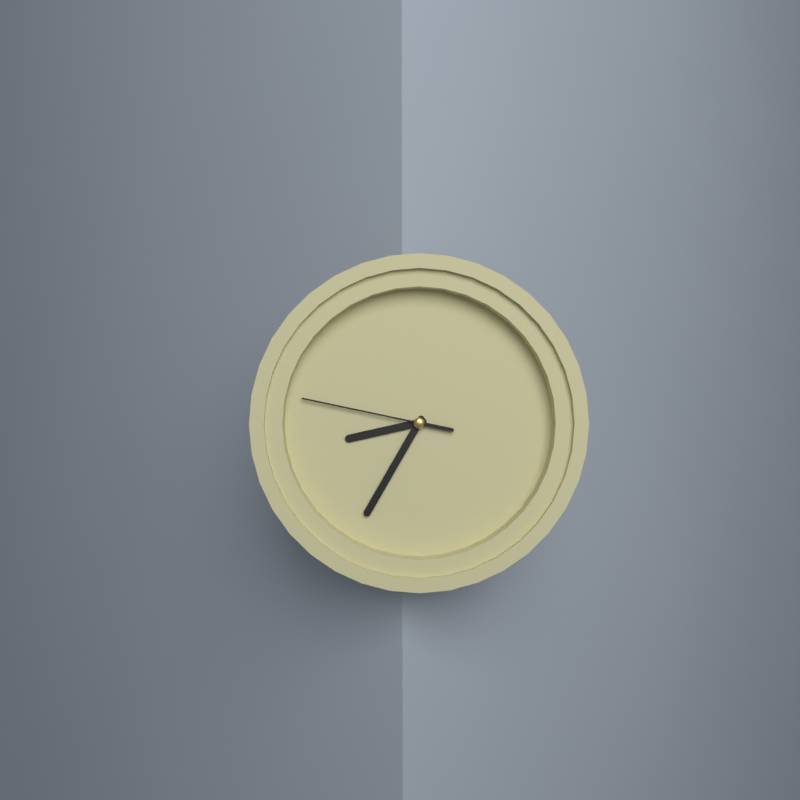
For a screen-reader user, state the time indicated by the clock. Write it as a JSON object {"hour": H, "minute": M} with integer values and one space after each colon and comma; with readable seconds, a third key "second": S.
{"hour": 8, "minute": 35, "second": 47}
